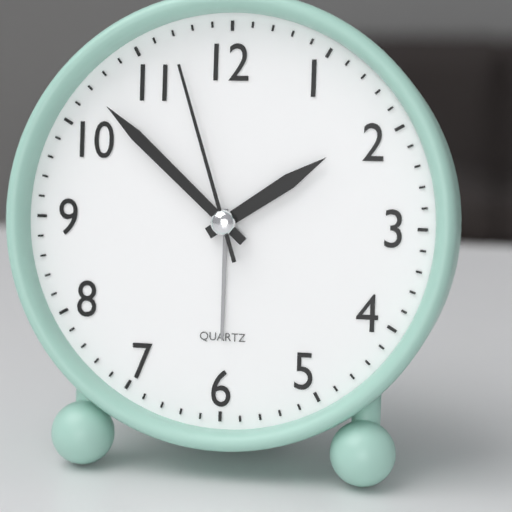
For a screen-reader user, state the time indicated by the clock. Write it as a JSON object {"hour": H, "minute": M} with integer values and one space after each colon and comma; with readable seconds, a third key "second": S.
{"hour": 1, "minute": 52, "second": 57}
